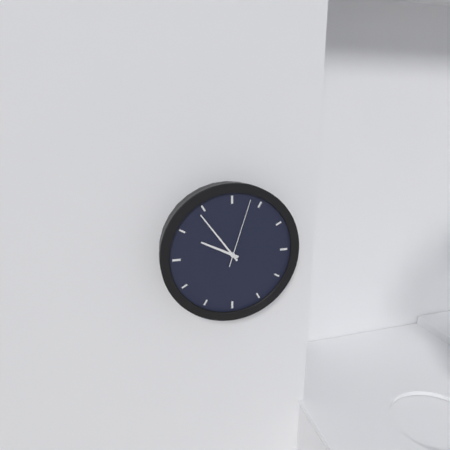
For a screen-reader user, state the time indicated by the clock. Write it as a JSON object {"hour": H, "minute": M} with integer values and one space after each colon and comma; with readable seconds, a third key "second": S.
{"hour": 9, "minute": 54, "second": 3}
